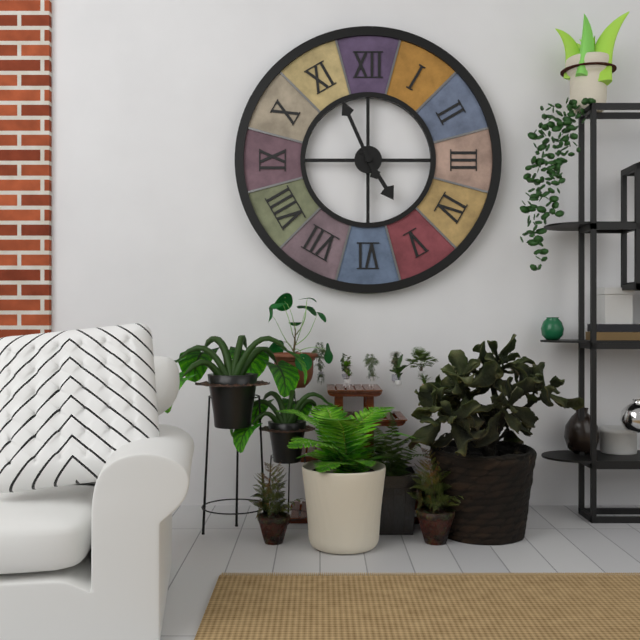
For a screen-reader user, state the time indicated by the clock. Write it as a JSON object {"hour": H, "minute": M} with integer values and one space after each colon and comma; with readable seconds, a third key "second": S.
{"hour": 4, "minute": 56}
